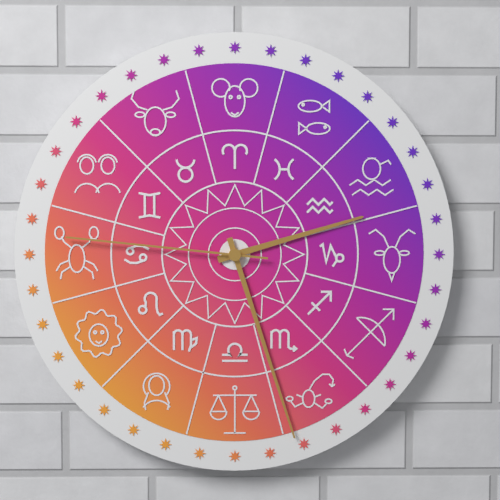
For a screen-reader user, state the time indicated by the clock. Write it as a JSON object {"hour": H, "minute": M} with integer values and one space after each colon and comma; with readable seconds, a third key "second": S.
{"hour": 2, "minute": 27, "second": 46}
